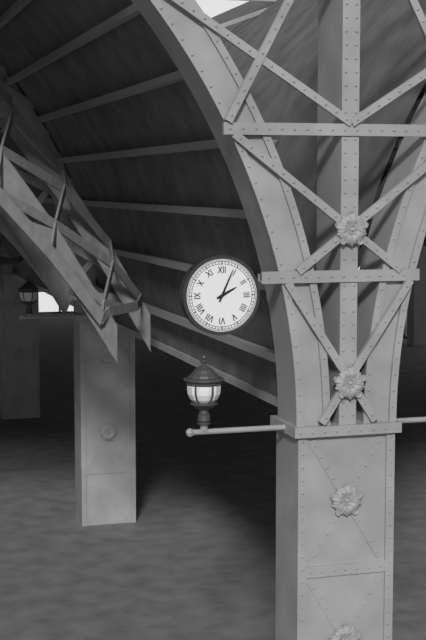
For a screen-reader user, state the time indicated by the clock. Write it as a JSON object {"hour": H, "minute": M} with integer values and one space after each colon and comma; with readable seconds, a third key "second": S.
{"hour": 2, "minute": 4}
